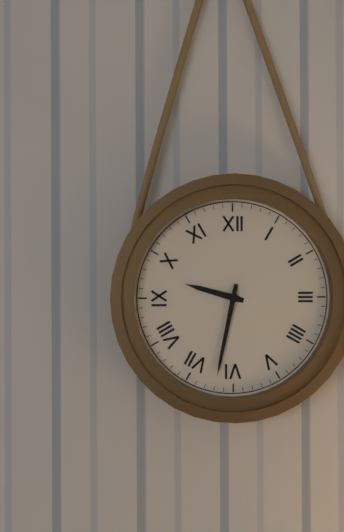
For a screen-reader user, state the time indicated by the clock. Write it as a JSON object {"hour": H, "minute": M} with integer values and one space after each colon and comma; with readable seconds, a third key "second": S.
{"hour": 9, "minute": 32}
